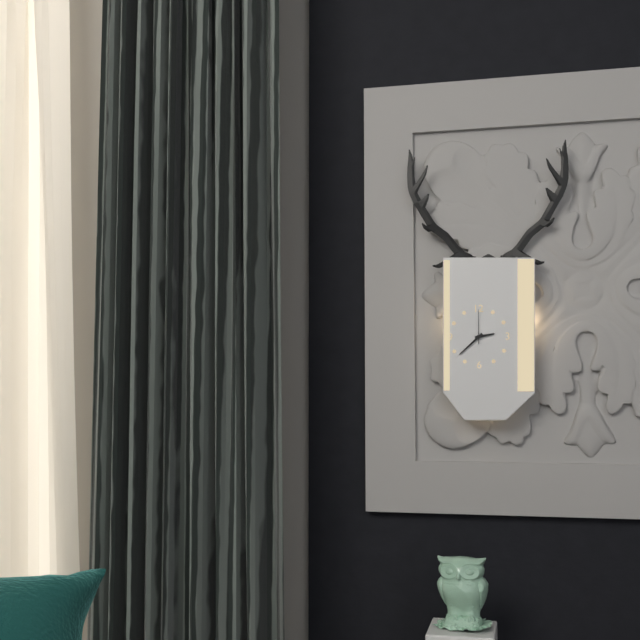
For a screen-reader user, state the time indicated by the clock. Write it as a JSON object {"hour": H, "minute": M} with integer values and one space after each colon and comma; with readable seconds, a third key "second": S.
{"hour": 2, "minute": 38}
